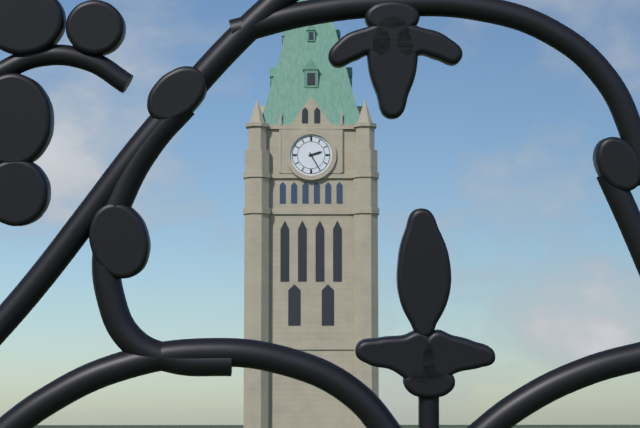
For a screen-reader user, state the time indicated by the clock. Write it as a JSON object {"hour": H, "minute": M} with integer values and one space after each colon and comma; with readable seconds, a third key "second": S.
{"hour": 2, "minute": 25}
